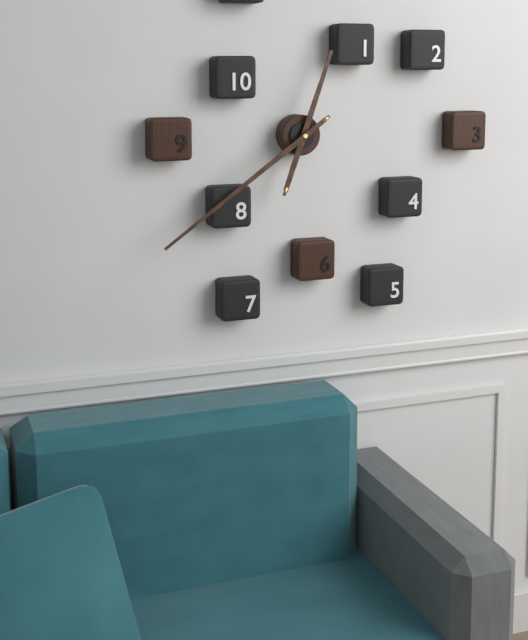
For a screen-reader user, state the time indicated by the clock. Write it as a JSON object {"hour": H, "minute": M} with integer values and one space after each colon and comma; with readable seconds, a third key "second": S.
{"hour": 12, "minute": 39}
